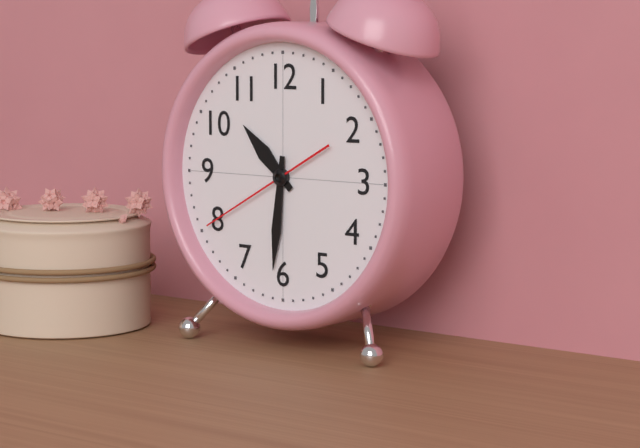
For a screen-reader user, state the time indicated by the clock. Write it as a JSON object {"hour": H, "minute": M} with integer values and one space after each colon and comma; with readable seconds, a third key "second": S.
{"hour": 10, "minute": 31, "second": 40}
